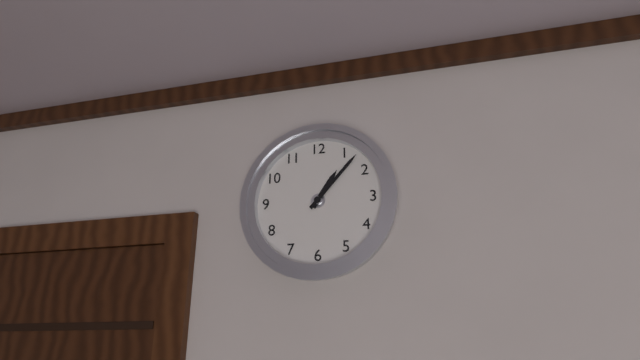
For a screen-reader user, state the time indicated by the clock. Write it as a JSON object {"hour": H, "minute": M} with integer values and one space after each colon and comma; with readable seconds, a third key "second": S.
{"hour": 1, "minute": 7}
